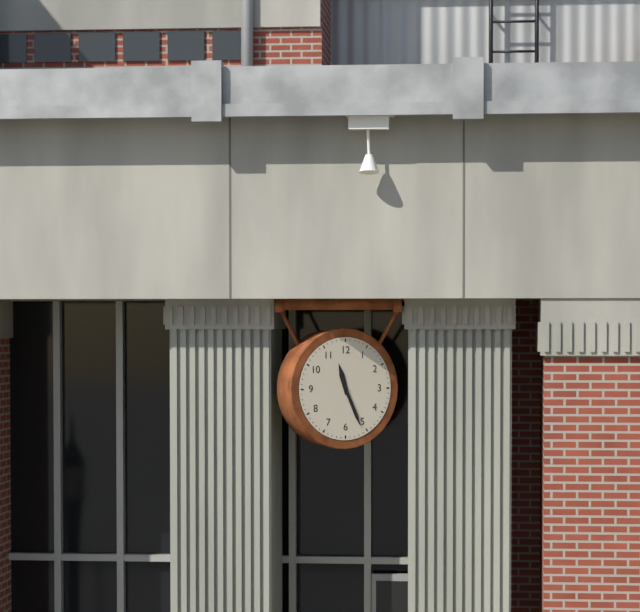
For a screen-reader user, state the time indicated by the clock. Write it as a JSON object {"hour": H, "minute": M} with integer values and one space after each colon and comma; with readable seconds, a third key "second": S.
{"hour": 11, "minute": 26}
